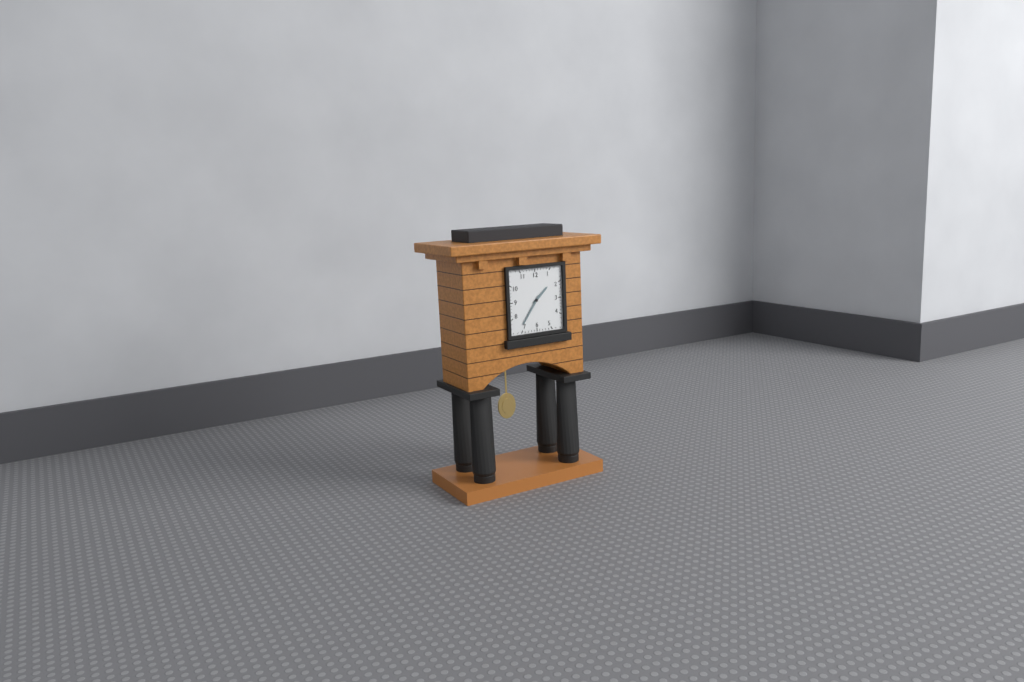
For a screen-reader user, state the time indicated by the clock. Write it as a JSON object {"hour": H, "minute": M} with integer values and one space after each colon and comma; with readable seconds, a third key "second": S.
{"hour": 1, "minute": 36}
